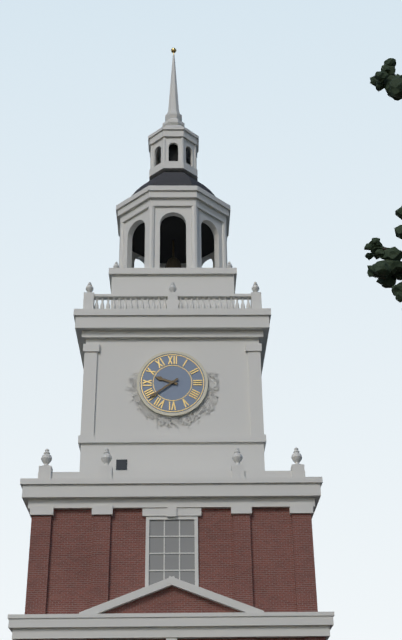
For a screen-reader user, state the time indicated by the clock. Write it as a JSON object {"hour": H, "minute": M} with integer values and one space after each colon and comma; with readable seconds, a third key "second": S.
{"hour": 9, "minute": 39}
